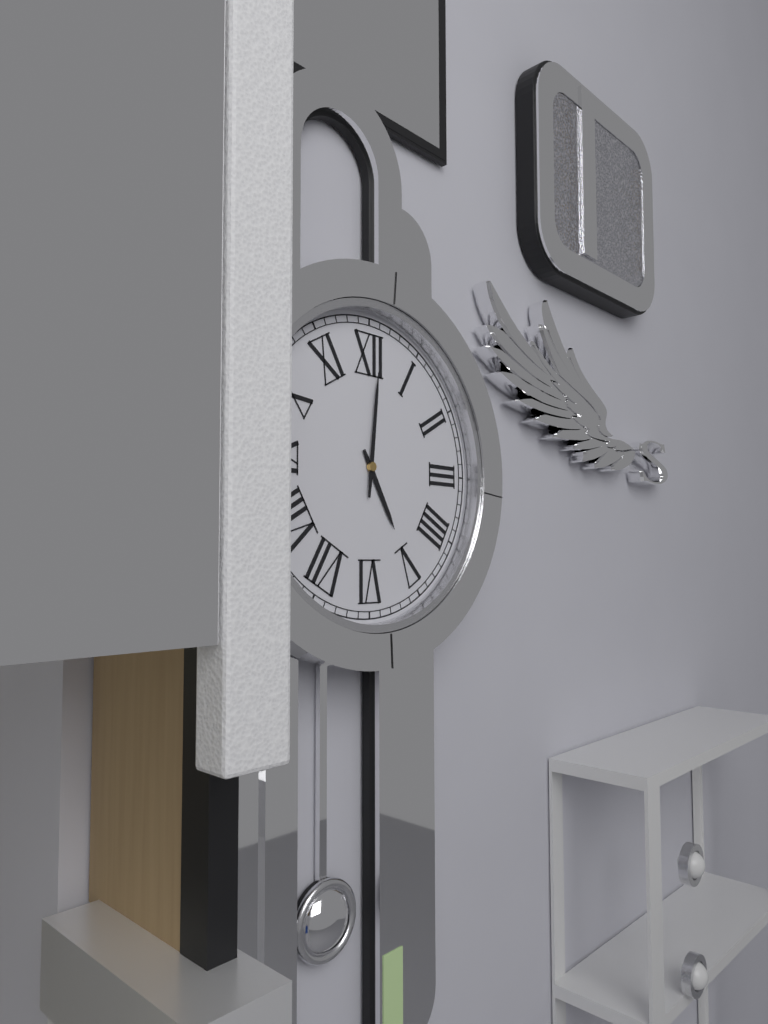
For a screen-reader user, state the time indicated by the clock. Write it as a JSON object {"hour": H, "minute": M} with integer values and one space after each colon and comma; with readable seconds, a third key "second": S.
{"hour": 5, "minute": 1}
